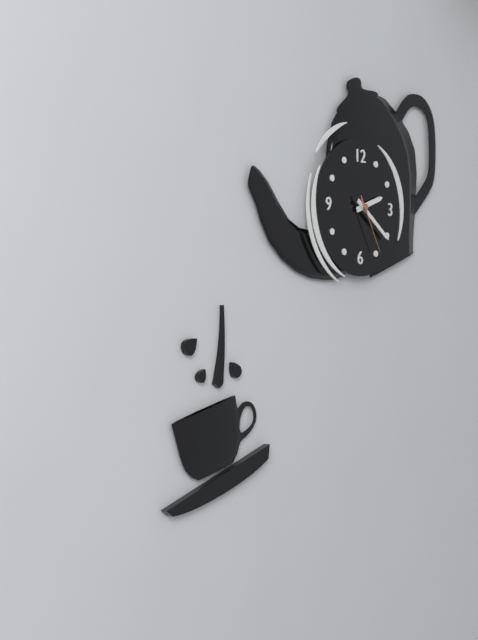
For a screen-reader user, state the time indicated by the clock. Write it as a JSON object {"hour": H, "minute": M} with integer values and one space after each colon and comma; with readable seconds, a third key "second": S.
{"hour": 2, "minute": 21, "second": 25}
